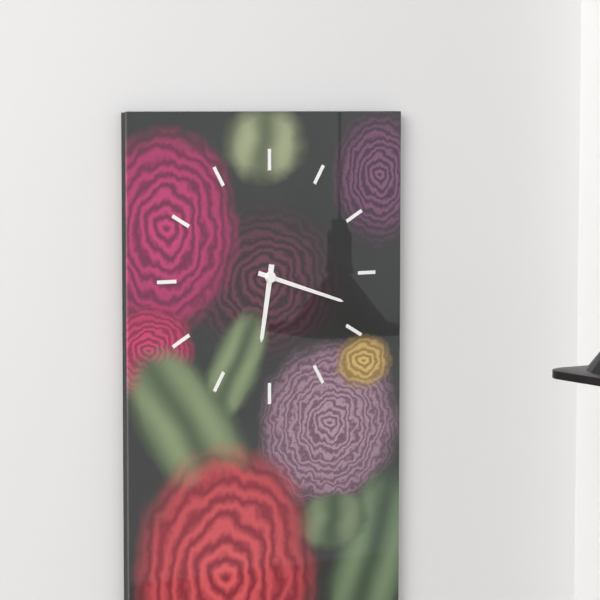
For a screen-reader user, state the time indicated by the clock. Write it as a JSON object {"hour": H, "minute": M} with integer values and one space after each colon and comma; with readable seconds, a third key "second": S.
{"hour": 6, "minute": 18}
